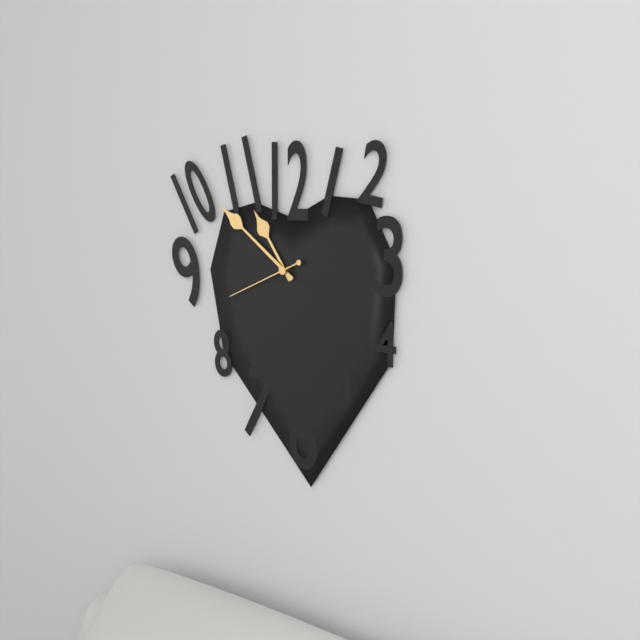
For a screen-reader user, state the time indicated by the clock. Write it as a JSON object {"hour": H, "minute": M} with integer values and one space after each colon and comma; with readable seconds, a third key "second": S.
{"hour": 10, "minute": 51, "second": 41}
